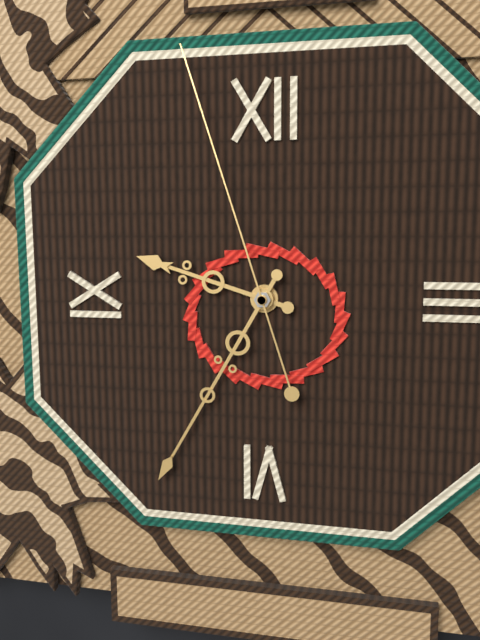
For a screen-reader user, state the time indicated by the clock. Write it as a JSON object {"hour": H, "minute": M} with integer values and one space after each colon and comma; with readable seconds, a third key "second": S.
{"hour": 9, "minute": 35, "second": 57}
